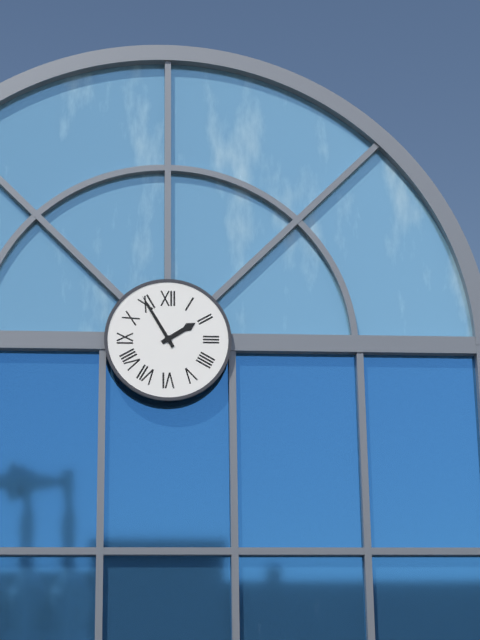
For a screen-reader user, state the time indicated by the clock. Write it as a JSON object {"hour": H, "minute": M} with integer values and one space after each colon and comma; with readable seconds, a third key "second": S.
{"hour": 1, "minute": 55}
